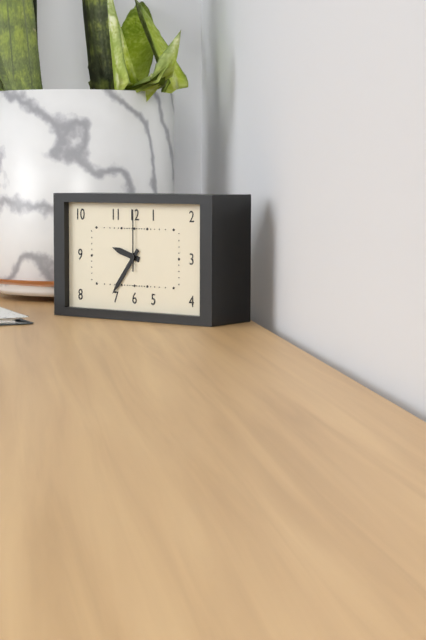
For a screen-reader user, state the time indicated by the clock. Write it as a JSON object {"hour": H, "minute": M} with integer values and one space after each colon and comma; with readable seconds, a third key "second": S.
{"hour": 9, "minute": 36, "second": 0}
